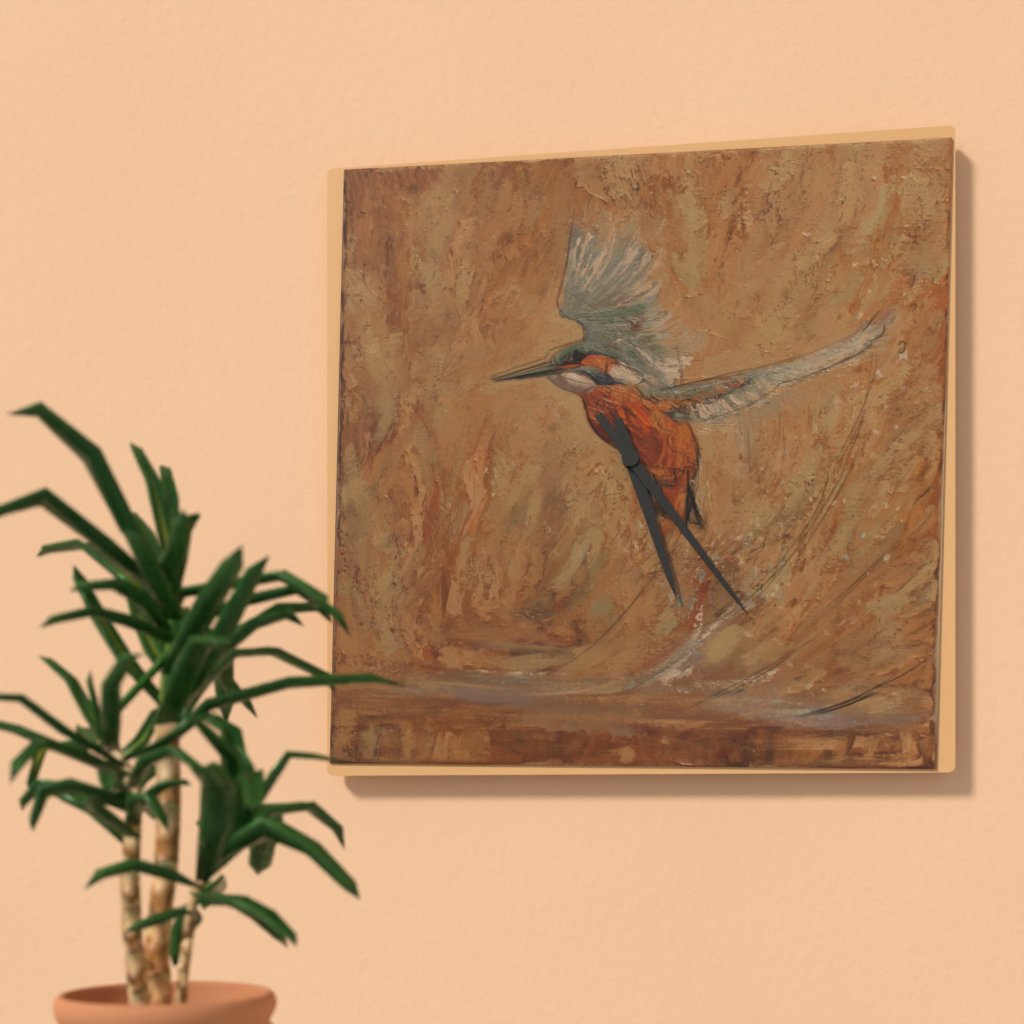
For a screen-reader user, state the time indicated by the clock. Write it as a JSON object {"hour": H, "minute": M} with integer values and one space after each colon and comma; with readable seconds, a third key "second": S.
{"hour": 5, "minute": 24}
